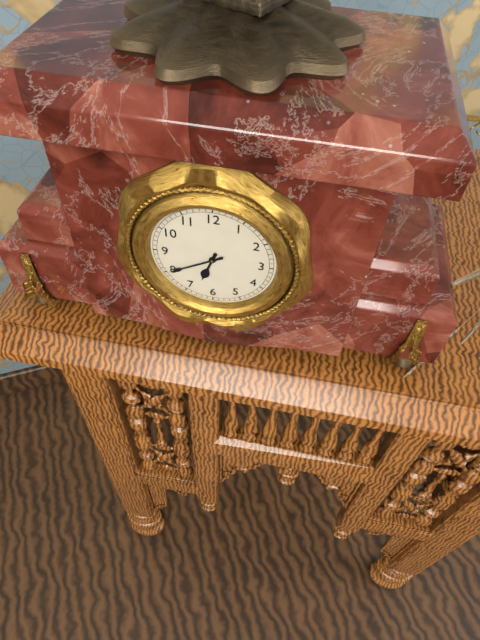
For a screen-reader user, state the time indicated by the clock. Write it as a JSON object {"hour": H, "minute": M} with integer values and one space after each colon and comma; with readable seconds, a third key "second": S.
{"hour": 6, "minute": 40}
